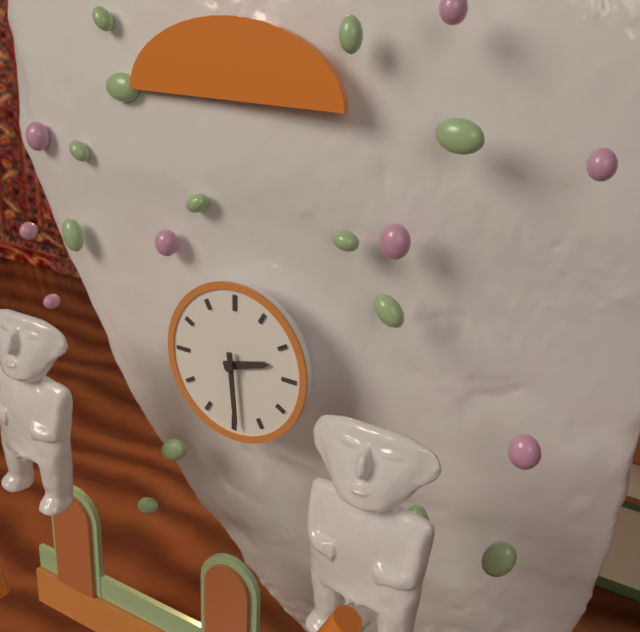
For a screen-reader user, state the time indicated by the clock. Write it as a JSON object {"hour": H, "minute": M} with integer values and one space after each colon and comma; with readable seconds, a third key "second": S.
{"hour": 2, "minute": 29}
